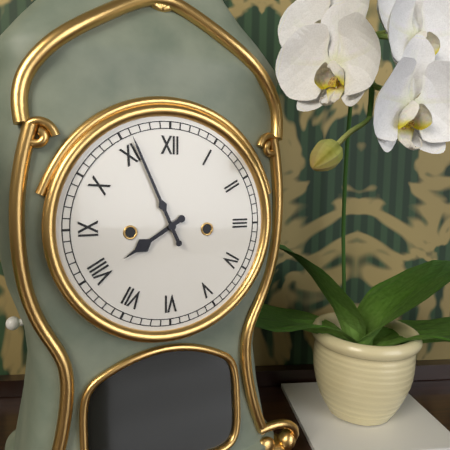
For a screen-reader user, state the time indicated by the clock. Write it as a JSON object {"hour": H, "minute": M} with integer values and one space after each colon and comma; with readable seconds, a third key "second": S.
{"hour": 7, "minute": 56}
